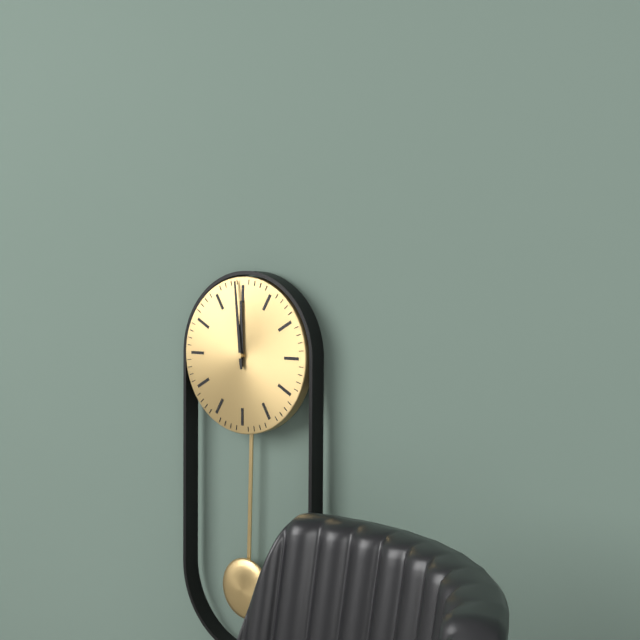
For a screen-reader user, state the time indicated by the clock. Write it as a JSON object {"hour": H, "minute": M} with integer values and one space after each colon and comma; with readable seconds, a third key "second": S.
{"hour": 11, "minute": 59}
